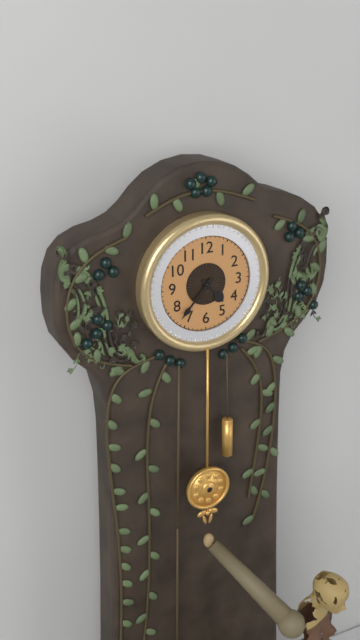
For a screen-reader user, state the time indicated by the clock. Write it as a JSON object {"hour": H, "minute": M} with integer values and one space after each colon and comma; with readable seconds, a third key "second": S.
{"hour": 4, "minute": 37}
